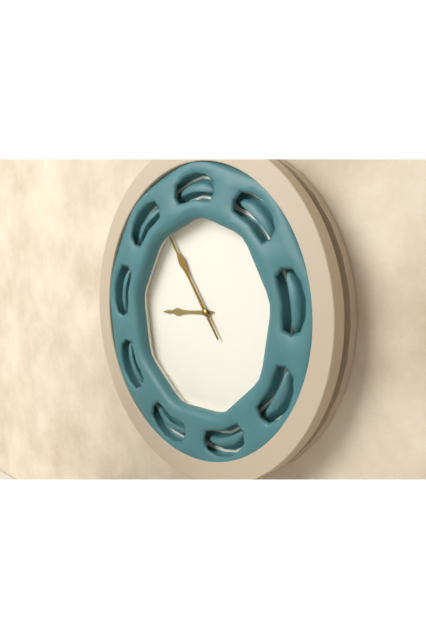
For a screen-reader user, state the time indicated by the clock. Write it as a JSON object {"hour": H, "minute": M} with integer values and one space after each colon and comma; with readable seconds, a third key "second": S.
{"hour": 8, "minute": 54}
